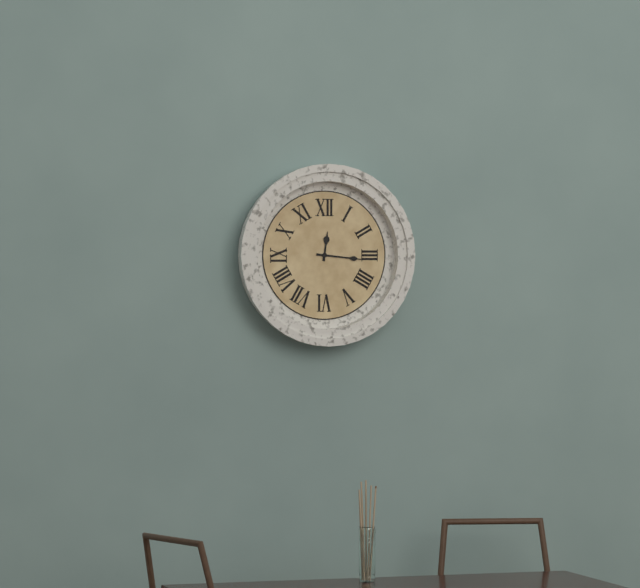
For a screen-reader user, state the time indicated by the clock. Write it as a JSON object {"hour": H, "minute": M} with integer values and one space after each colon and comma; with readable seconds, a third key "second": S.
{"hour": 12, "minute": 16}
